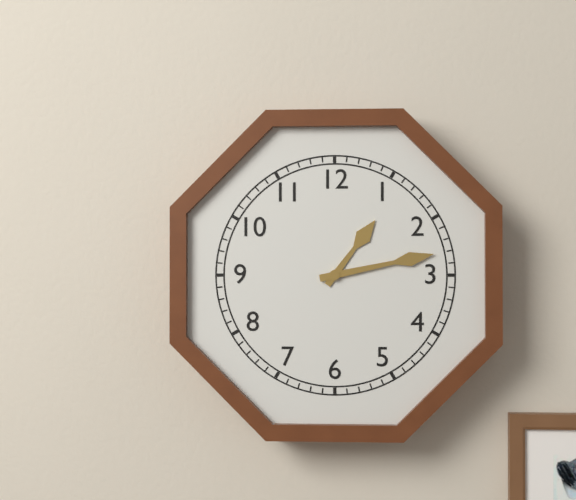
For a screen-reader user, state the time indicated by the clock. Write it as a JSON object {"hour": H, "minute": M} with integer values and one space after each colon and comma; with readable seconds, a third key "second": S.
{"hour": 1, "minute": 13}
